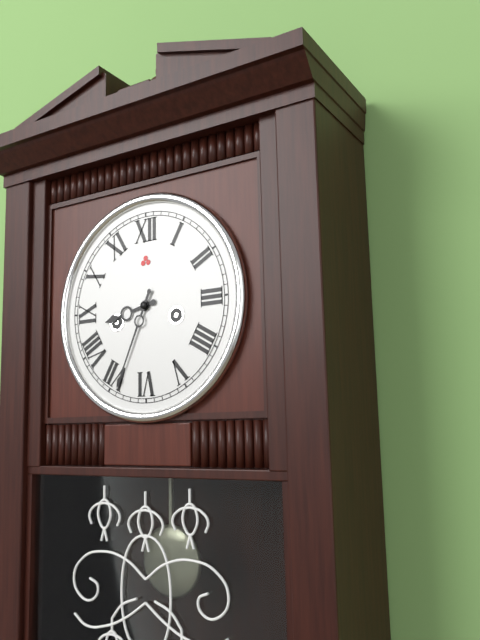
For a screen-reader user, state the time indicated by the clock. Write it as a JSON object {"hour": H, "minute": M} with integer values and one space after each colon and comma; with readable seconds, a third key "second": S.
{"hour": 8, "minute": 34}
